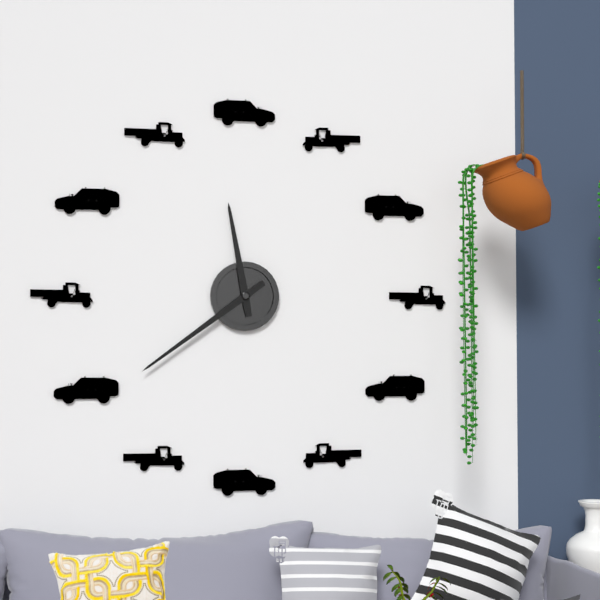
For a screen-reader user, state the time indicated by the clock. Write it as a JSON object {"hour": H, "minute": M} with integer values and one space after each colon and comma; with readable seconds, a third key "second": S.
{"hour": 11, "minute": 39}
